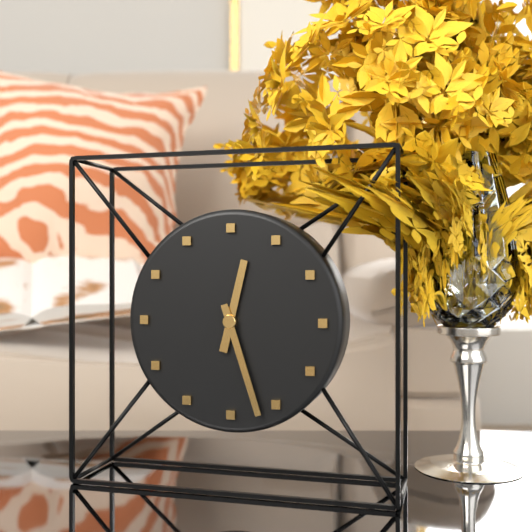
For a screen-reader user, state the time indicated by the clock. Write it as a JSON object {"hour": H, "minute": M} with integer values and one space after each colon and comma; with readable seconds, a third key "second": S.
{"hour": 12, "minute": 27}
